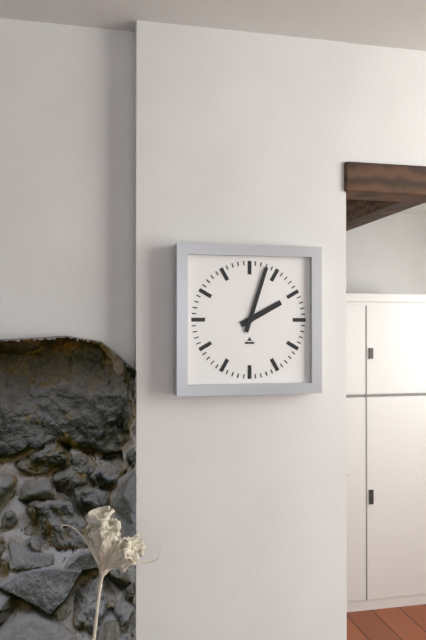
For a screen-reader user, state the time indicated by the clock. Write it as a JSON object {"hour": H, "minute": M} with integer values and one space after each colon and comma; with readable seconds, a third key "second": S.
{"hour": 2, "minute": 3}
